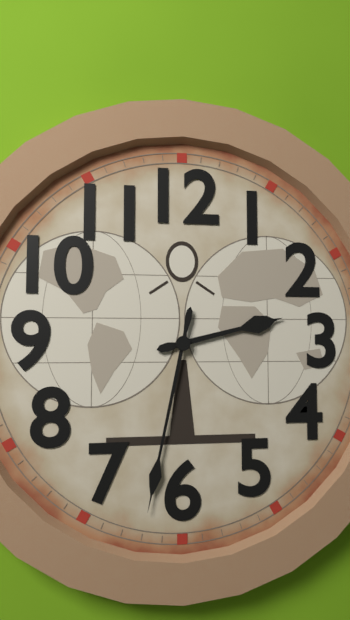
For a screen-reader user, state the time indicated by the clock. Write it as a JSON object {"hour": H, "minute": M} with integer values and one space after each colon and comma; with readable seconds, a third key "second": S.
{"hour": 2, "minute": 32}
